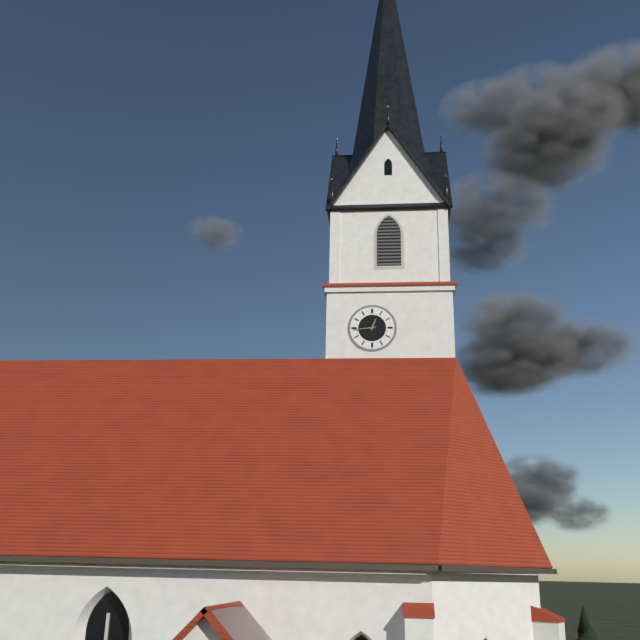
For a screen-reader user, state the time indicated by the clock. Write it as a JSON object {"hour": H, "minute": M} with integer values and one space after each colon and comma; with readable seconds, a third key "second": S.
{"hour": 12, "minute": 44}
